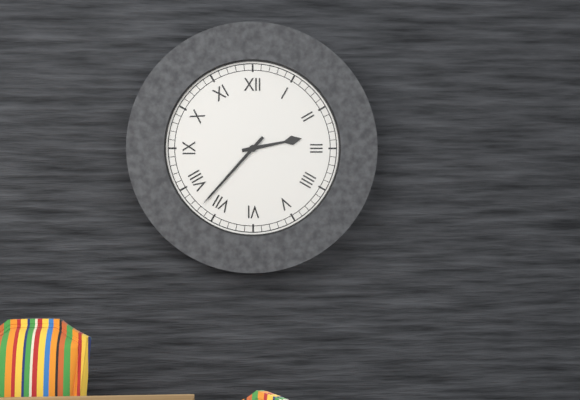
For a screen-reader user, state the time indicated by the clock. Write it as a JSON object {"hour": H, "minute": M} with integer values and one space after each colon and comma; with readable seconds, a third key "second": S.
{"hour": 2, "minute": 37}
